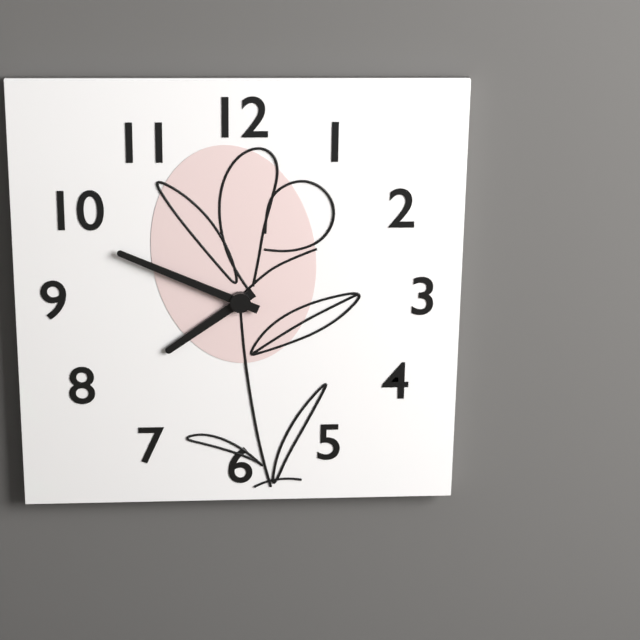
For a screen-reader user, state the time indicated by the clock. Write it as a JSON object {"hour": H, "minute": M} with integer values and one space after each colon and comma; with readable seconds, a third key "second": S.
{"hour": 7, "minute": 49}
